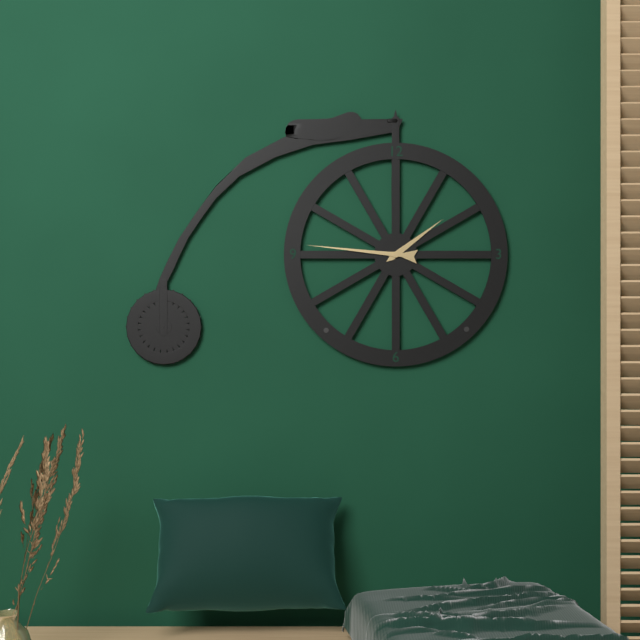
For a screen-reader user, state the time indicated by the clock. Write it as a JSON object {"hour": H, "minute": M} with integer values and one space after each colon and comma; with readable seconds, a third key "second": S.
{"hour": 1, "minute": 46}
